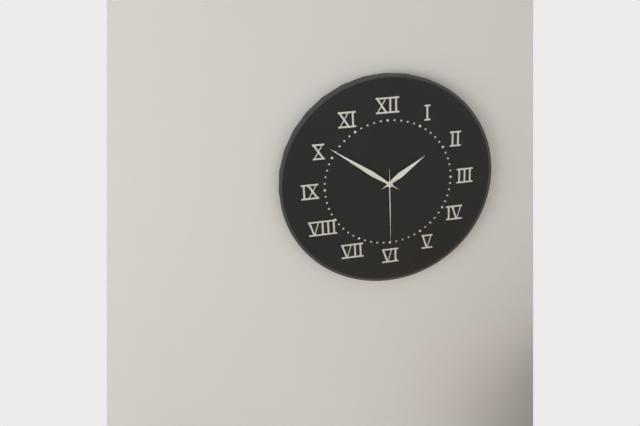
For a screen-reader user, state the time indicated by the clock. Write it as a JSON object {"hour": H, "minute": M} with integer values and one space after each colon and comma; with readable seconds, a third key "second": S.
{"hour": 1, "minute": 51, "second": 30}
